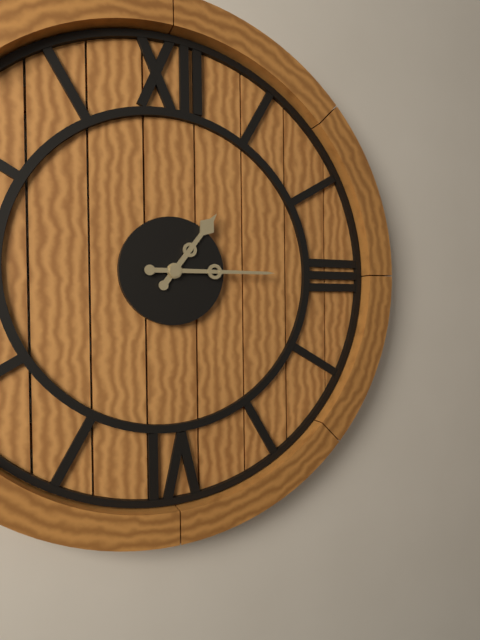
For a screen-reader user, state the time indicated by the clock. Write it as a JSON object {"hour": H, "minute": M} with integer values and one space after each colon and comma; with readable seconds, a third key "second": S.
{"hour": 1, "minute": 15}
